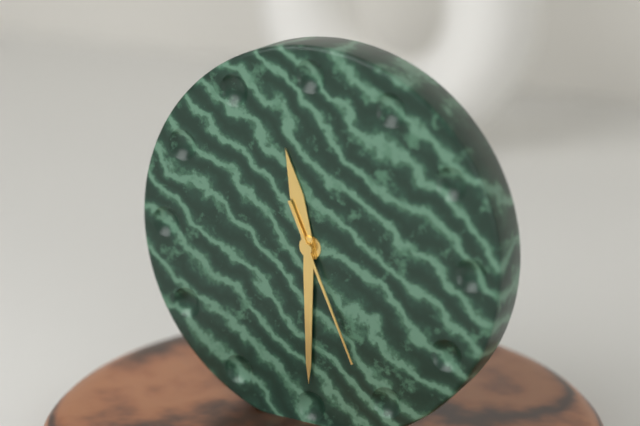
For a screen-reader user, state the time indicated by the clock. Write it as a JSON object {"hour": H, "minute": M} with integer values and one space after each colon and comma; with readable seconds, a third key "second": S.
{"hour": 11, "minute": 30, "second": 26}
